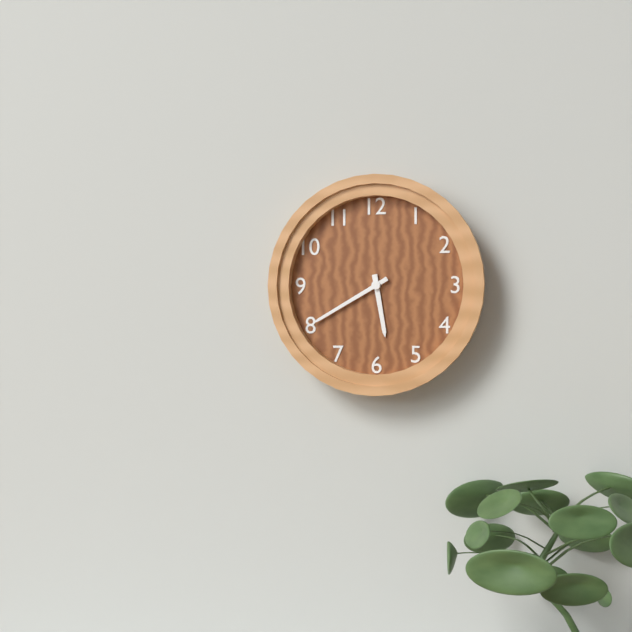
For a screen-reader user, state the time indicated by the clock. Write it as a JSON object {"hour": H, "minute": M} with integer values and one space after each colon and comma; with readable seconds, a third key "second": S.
{"hour": 5, "minute": 40}
